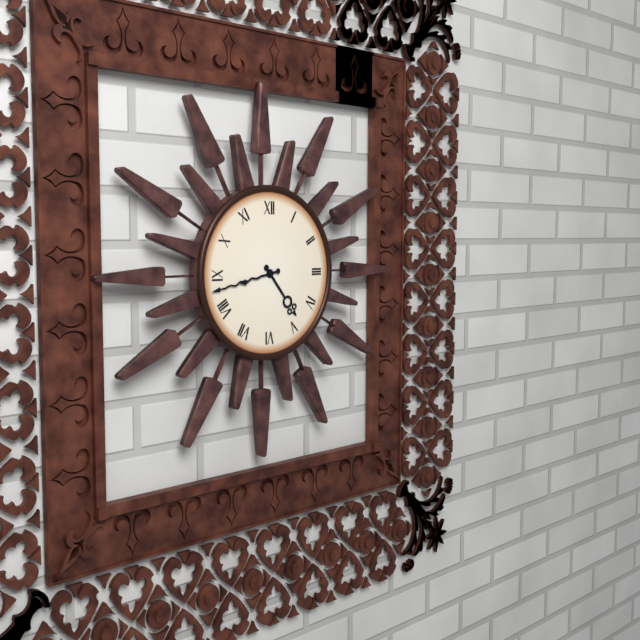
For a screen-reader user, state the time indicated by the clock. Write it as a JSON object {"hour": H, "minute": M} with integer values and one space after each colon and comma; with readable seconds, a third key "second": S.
{"hour": 4, "minute": 43}
